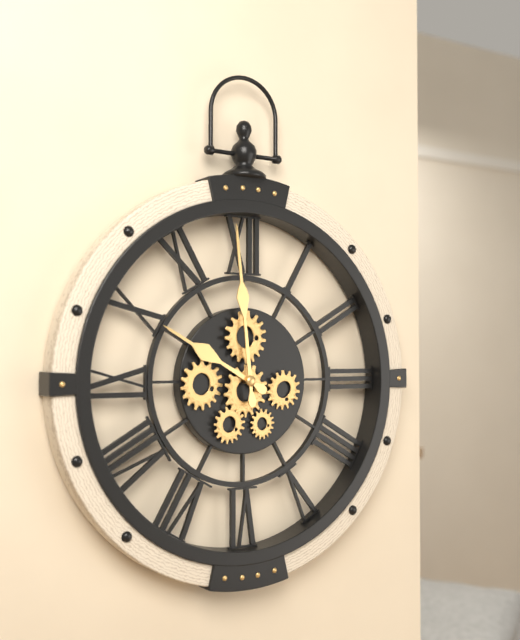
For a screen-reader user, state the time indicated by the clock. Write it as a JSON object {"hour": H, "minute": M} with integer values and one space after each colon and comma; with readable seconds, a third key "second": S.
{"hour": 9, "minute": 59}
